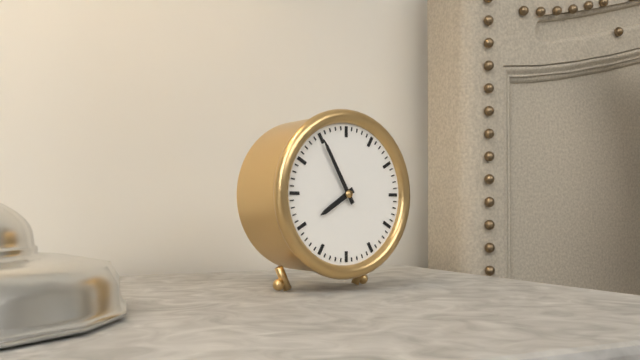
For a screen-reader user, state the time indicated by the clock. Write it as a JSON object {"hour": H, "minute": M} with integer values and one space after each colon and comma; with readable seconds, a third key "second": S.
{"hour": 7, "minute": 55}
